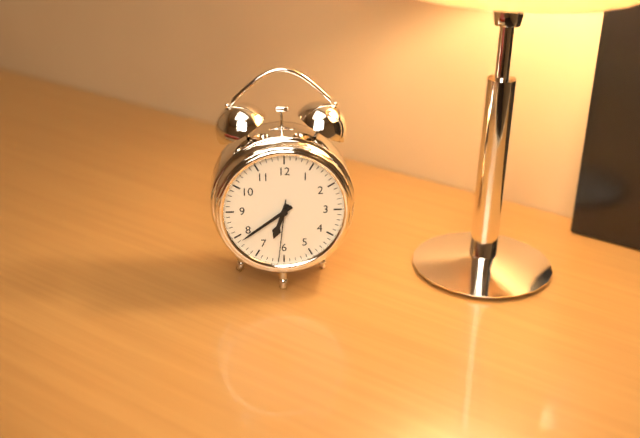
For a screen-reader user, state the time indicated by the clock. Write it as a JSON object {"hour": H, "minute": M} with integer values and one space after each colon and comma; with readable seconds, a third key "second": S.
{"hour": 6, "minute": 39, "second": 31}
